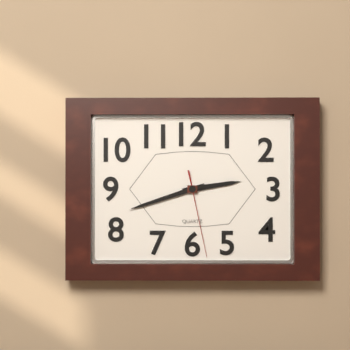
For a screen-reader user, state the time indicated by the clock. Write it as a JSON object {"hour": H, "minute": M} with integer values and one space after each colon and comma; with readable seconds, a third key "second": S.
{"hour": 2, "minute": 42, "second": 28}
